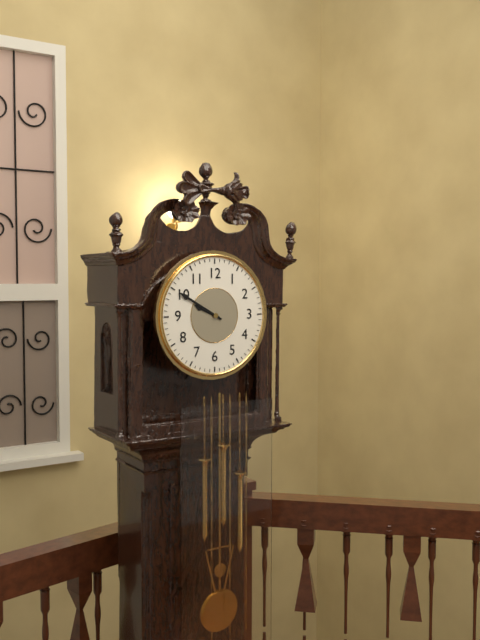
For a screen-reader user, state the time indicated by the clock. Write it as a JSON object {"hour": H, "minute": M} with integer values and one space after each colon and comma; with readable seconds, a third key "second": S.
{"hour": 9, "minute": 50}
